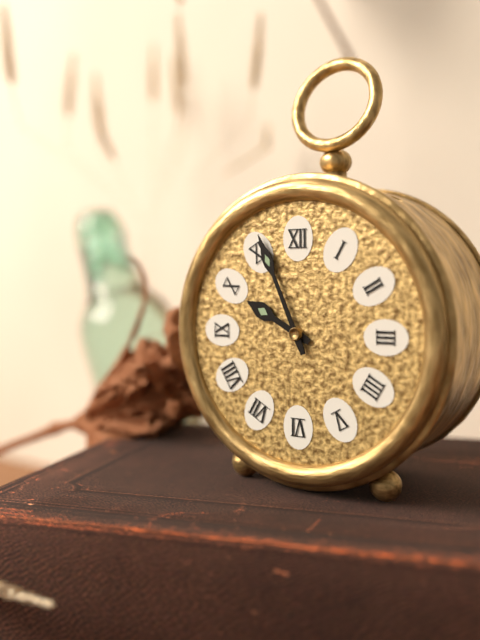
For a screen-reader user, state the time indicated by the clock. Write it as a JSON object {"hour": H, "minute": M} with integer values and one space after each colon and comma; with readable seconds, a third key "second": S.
{"hour": 9, "minute": 56}
